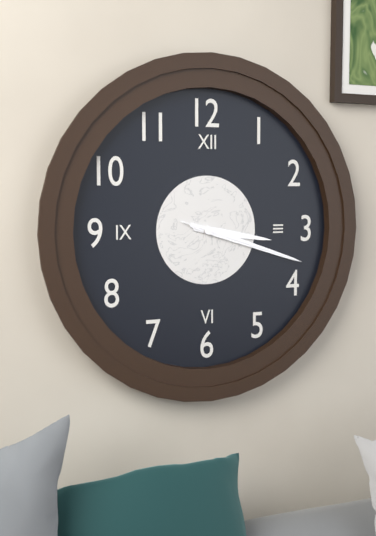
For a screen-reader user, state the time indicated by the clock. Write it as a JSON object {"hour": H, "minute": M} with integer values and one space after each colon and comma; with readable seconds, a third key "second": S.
{"hour": 3, "minute": 18, "second": 18}
